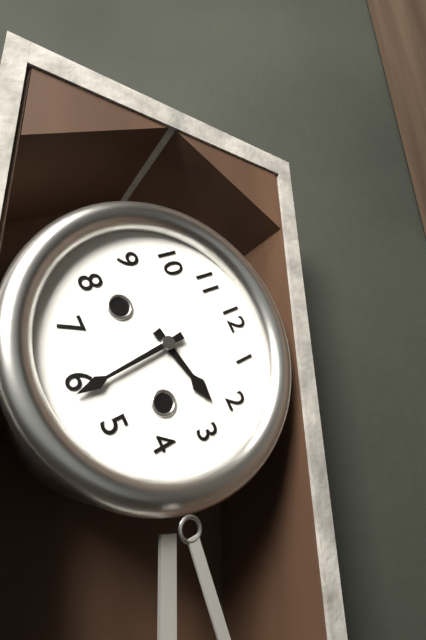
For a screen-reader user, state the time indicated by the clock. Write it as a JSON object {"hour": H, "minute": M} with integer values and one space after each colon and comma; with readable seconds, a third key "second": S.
{"hour": 2, "minute": 29}
